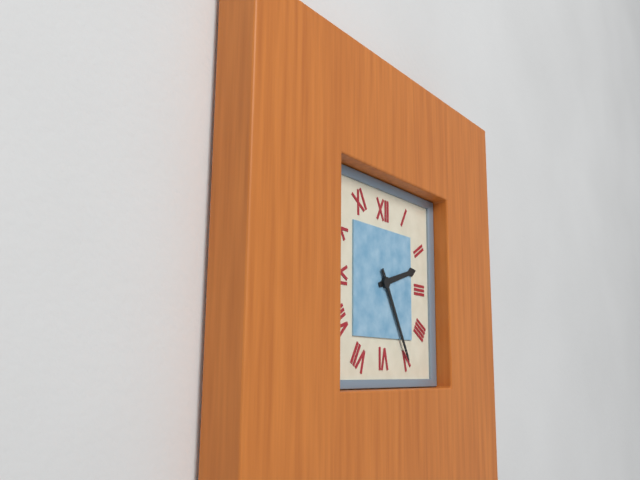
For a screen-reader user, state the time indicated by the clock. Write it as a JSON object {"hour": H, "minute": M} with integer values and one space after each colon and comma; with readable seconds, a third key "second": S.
{"hour": 2, "minute": 25}
